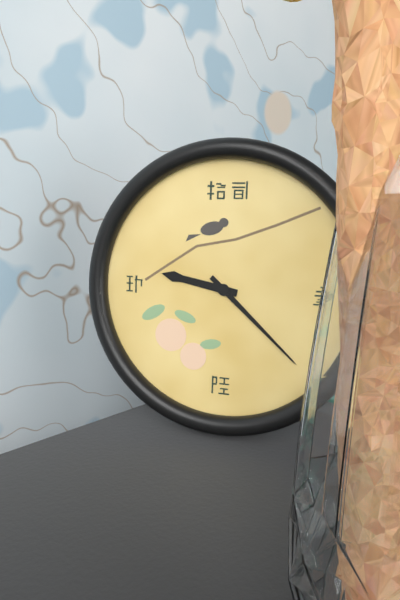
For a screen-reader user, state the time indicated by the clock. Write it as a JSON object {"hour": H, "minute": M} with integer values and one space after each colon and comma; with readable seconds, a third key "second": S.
{"hour": 9, "minute": 22}
